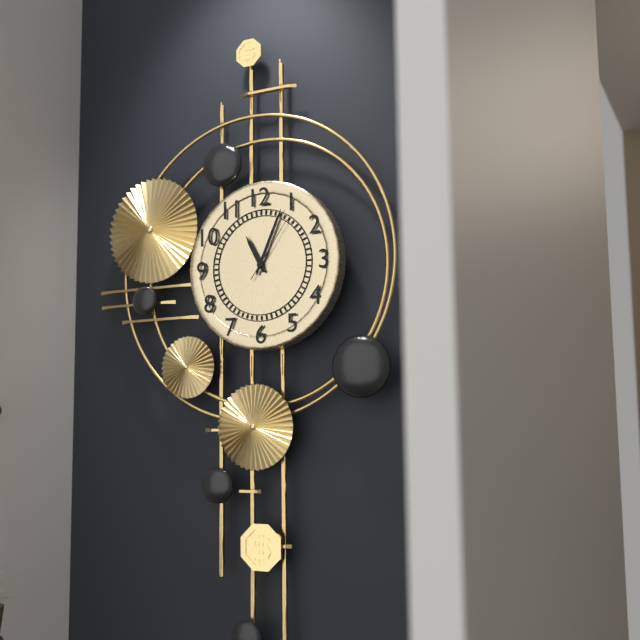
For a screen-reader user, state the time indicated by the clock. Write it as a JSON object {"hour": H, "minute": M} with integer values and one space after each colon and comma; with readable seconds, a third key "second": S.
{"hour": 11, "minute": 4, "second": 6}
